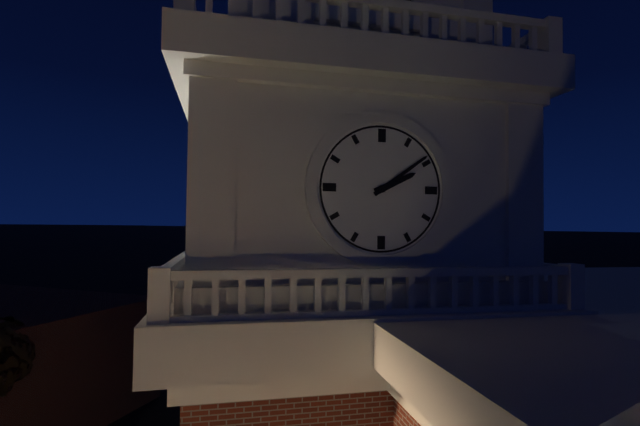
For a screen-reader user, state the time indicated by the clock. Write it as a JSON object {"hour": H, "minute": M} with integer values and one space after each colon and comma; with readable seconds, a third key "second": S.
{"hour": 2, "minute": 9}
